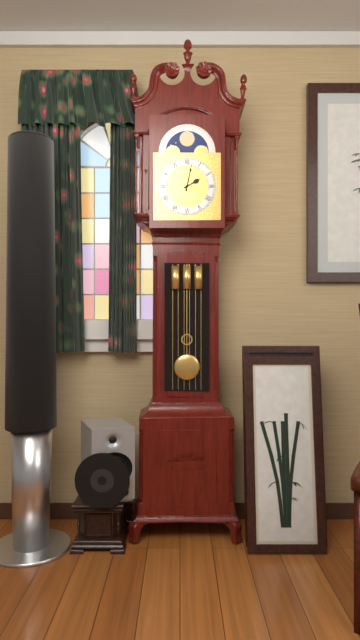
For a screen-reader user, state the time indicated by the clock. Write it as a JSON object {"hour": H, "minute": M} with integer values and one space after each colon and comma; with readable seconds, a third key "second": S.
{"hour": 2, "minute": 2}
